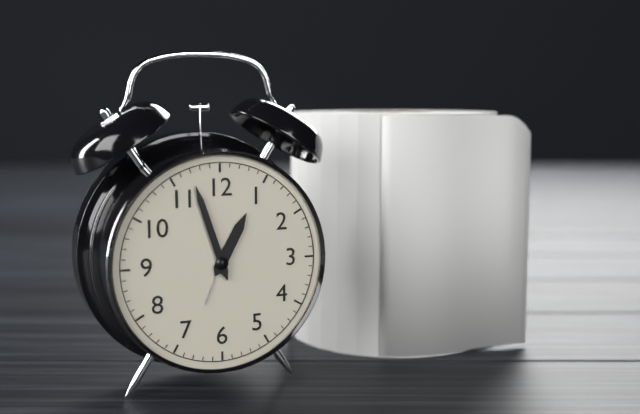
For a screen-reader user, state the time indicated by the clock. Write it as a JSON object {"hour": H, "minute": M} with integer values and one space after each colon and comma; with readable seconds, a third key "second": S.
{"hour": 12, "minute": 57}
